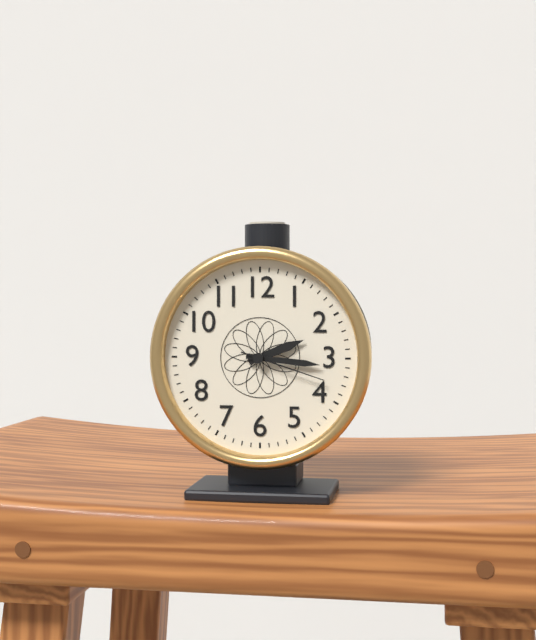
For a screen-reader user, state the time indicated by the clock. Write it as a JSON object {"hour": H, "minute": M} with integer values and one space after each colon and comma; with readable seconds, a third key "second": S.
{"hour": 2, "minute": 16, "second": 18}
